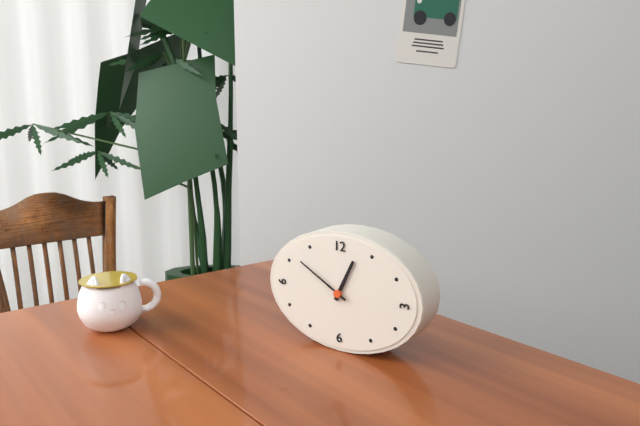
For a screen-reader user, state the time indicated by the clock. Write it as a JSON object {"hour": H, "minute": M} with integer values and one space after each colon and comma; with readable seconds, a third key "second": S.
{"hour": 12, "minute": 50}
